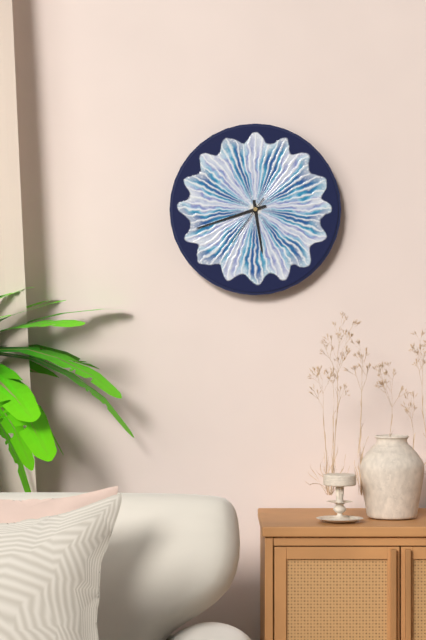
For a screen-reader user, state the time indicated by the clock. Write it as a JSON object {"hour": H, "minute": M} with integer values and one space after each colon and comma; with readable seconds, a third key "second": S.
{"hour": 5, "minute": 42, "second": 36}
